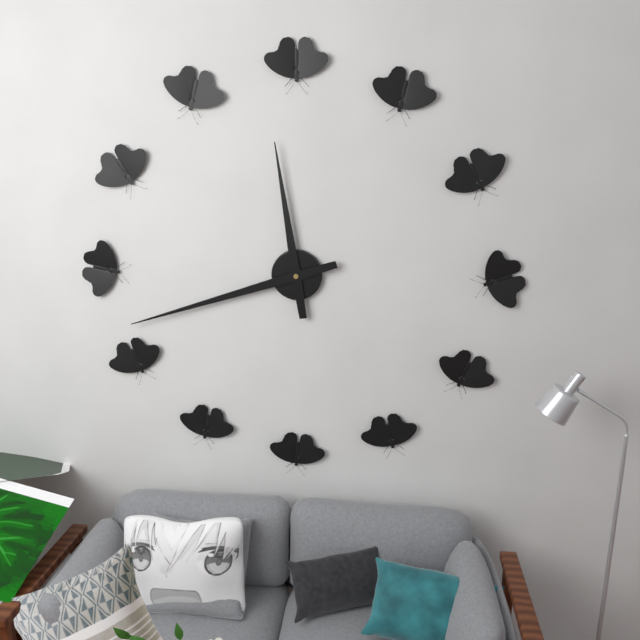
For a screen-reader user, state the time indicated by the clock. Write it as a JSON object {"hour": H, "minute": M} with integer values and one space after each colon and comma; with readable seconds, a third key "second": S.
{"hour": 11, "minute": 42}
